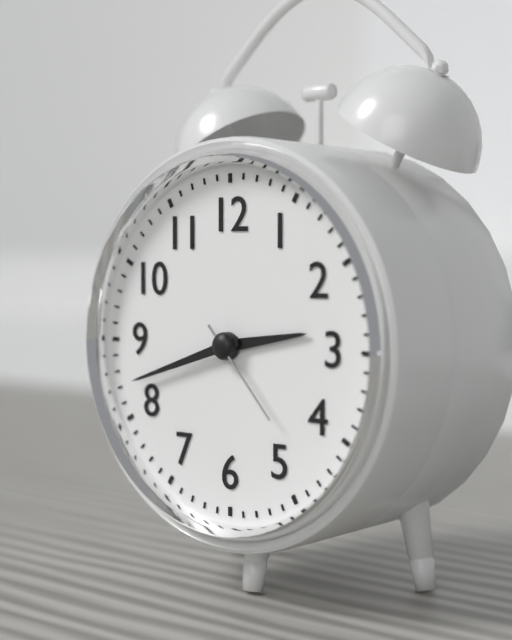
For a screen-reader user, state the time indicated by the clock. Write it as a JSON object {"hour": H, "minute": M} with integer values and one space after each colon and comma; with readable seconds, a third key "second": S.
{"hour": 2, "minute": 42, "second": 23}
